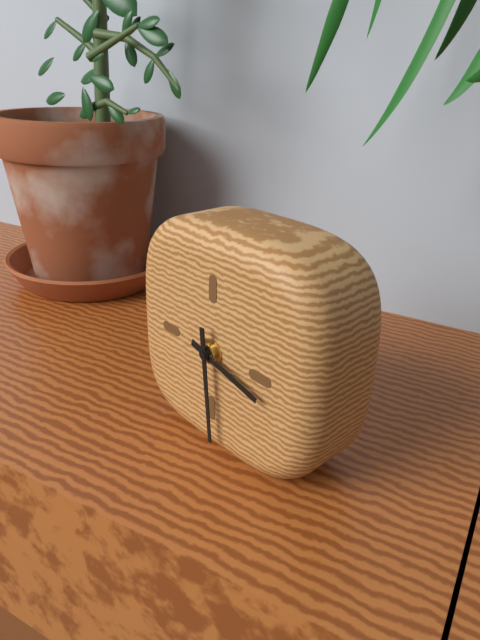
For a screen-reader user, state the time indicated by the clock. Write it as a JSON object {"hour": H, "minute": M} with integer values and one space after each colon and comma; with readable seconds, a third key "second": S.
{"hour": 3, "minute": 29}
